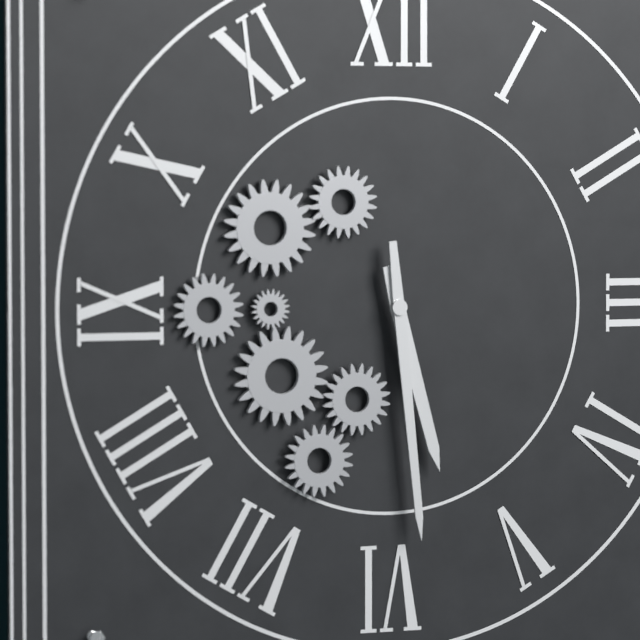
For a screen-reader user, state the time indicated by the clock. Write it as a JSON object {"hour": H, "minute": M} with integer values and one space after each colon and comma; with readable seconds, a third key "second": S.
{"hour": 5, "minute": 29}
